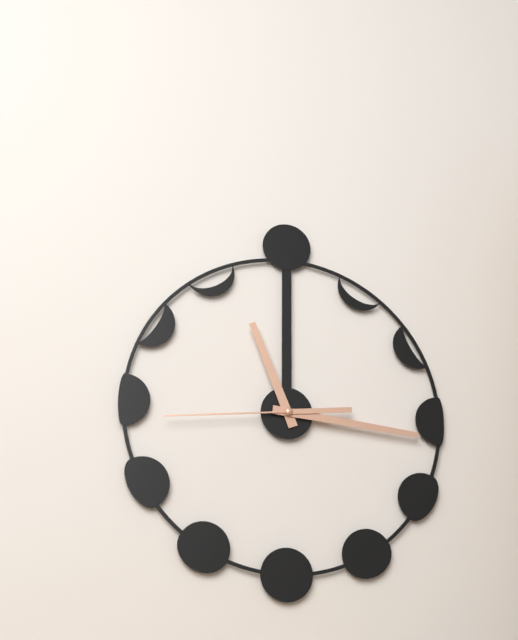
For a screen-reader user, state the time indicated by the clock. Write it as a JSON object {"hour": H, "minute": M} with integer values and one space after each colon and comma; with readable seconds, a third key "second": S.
{"hour": 11, "minute": 16, "second": 44}
